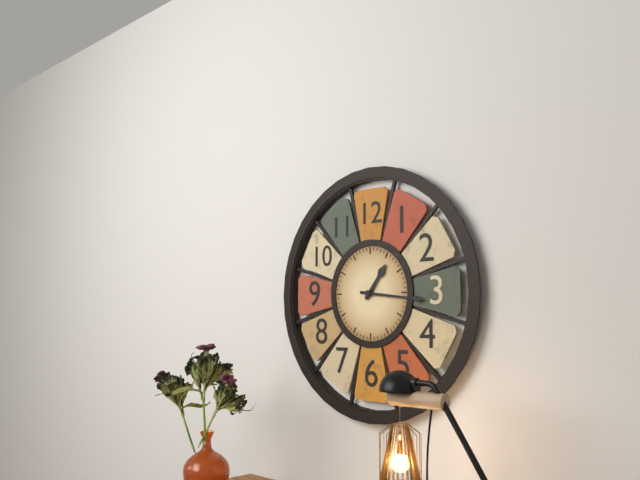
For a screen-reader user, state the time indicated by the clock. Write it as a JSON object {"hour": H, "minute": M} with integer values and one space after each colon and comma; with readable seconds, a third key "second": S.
{"hour": 1, "minute": 16}
